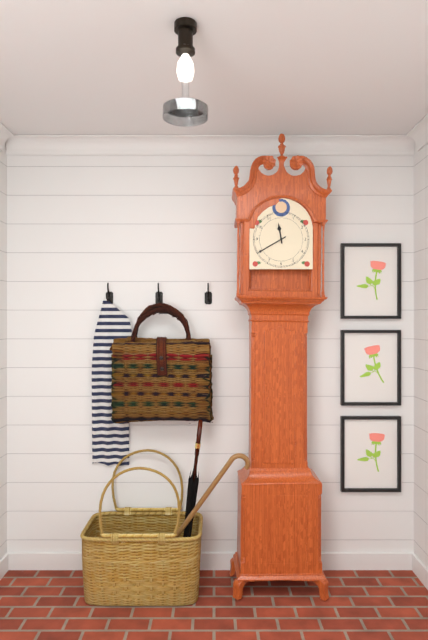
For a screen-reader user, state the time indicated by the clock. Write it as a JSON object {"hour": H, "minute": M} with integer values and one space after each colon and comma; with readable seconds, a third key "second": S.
{"hour": 11, "minute": 40}
